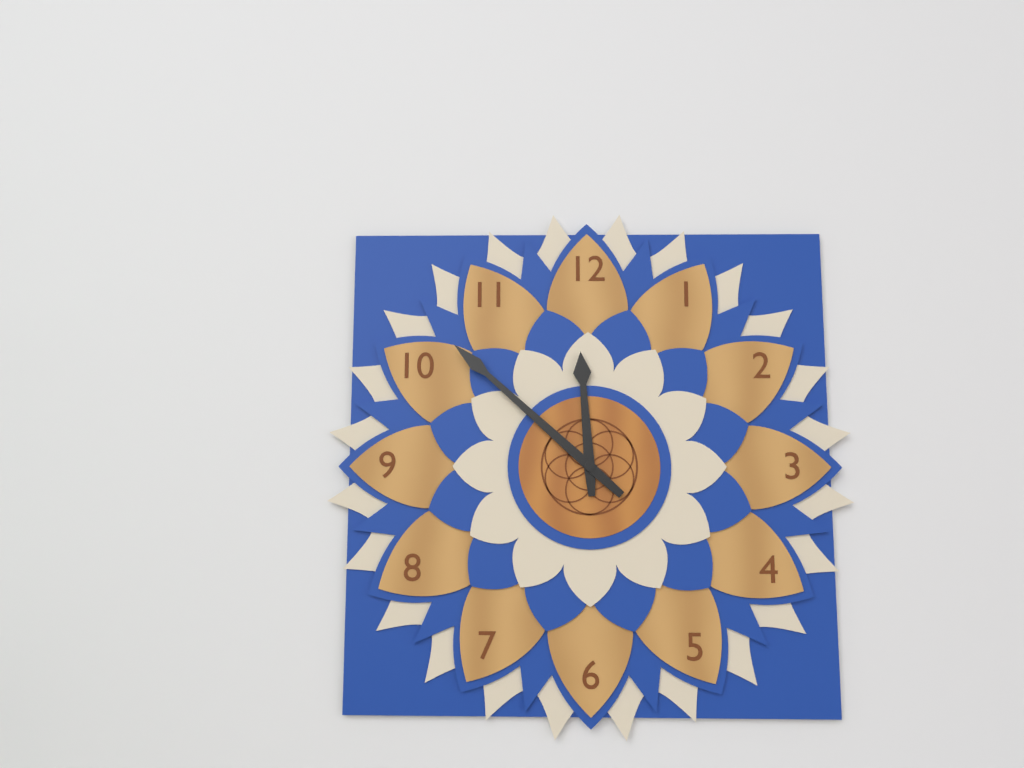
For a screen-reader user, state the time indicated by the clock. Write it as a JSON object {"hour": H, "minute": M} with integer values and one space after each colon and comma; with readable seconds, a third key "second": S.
{"hour": 11, "minute": 52}
